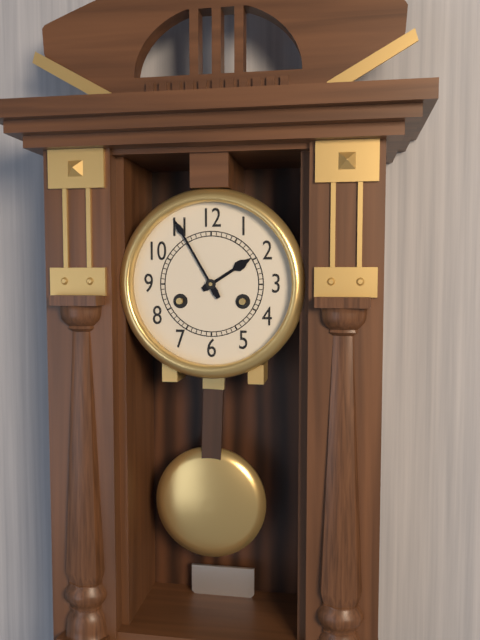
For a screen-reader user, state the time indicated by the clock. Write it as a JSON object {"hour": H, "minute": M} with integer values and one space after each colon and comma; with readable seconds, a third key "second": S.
{"hour": 1, "minute": 55}
